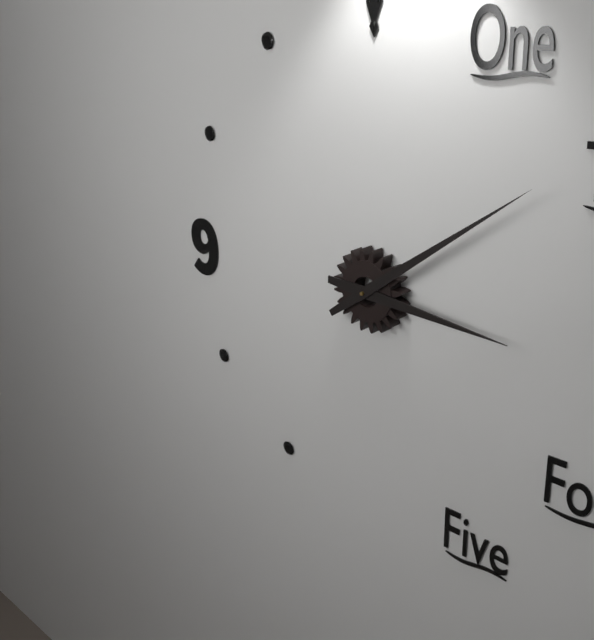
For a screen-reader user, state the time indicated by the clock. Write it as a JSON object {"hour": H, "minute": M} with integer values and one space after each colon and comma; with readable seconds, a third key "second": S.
{"hour": 3, "minute": 9}
